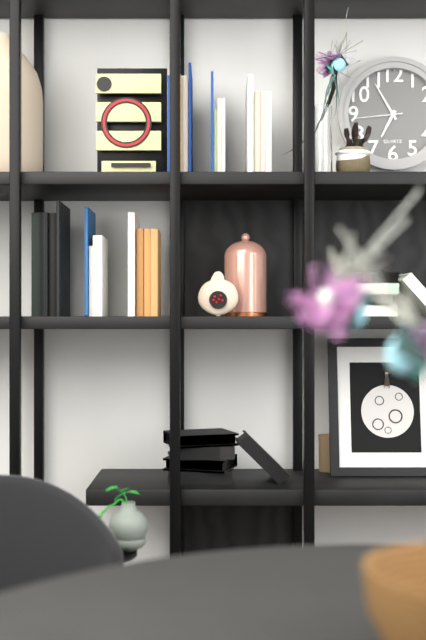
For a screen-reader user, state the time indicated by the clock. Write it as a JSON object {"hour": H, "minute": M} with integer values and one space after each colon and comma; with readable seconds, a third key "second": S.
{"hour": 6, "minute": 55}
